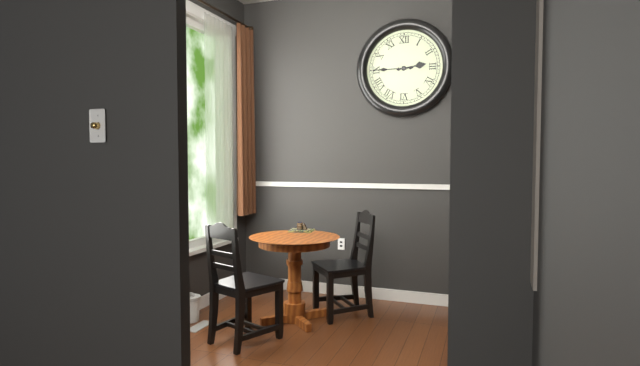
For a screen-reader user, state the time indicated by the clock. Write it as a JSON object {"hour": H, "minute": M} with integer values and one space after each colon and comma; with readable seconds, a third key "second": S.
{"hour": 2, "minute": 45}
